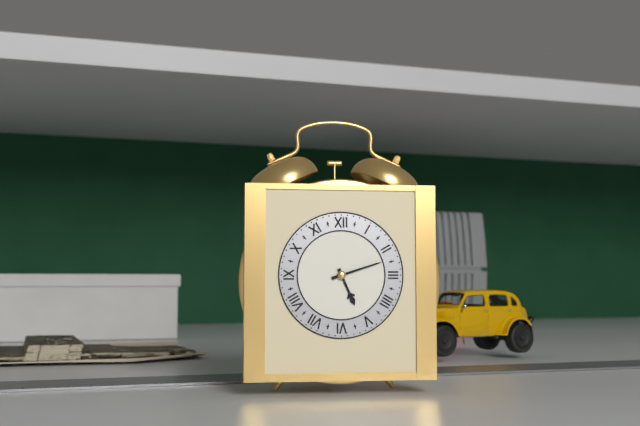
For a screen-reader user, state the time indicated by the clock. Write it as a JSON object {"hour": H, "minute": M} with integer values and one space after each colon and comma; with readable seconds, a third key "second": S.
{"hour": 5, "minute": 12}
